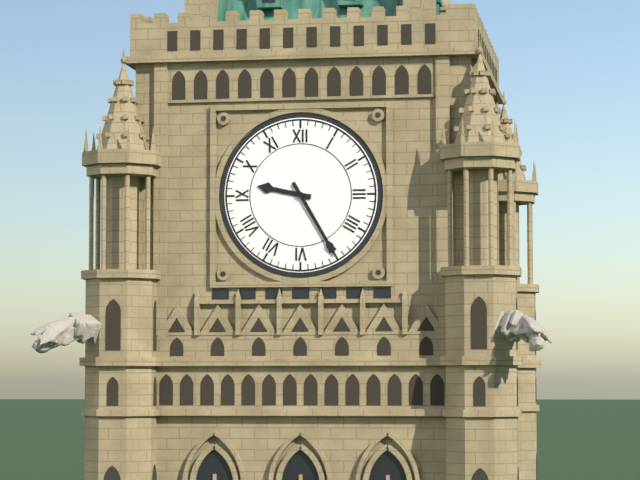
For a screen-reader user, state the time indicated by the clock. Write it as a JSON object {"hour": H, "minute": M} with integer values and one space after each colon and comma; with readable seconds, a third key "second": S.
{"hour": 9, "minute": 25}
